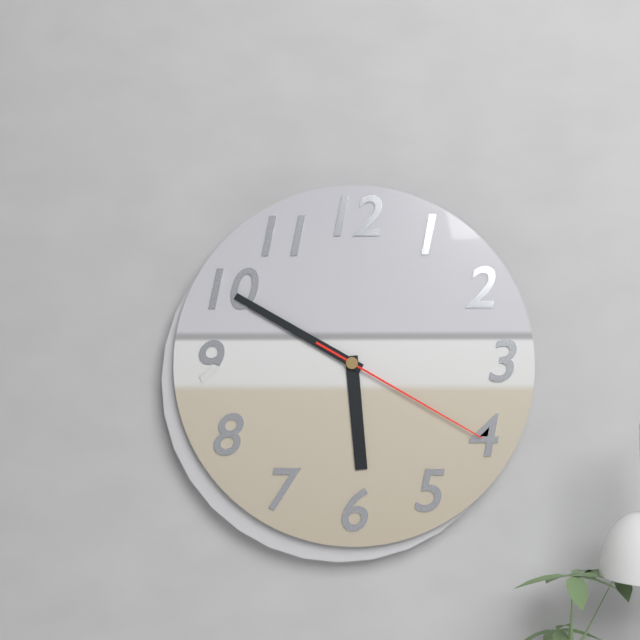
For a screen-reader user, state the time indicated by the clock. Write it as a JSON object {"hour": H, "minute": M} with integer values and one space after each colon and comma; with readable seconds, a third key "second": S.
{"hour": 5, "minute": 50, "second": 20}
